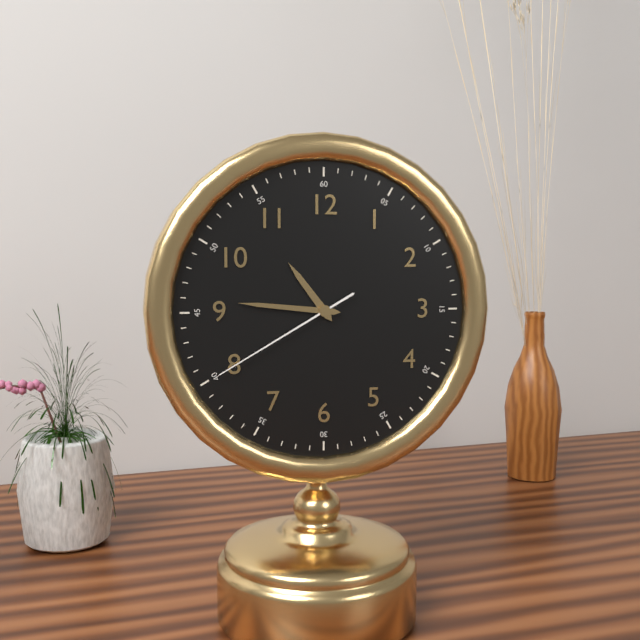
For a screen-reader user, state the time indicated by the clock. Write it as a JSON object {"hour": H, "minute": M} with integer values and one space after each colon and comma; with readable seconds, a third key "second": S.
{"hour": 10, "minute": 46, "second": 40}
